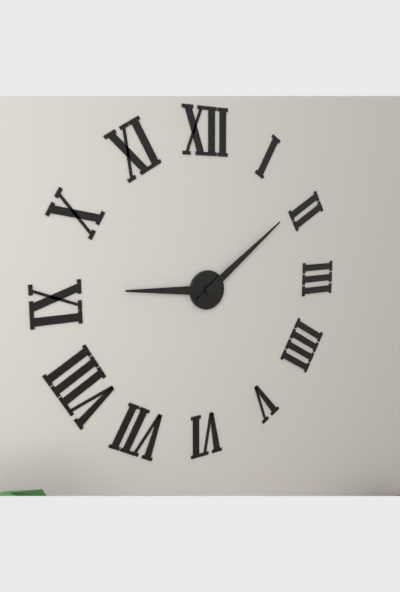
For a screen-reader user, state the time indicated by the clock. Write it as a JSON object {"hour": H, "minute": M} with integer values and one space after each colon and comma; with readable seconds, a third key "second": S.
{"hour": 9, "minute": 9}
